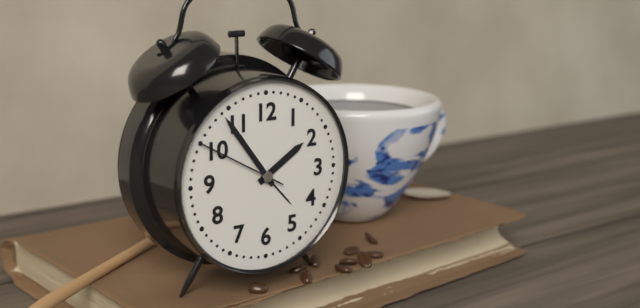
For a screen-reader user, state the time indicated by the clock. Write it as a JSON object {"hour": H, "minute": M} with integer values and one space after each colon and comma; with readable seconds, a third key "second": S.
{"hour": 1, "minute": 54, "second": 50}
